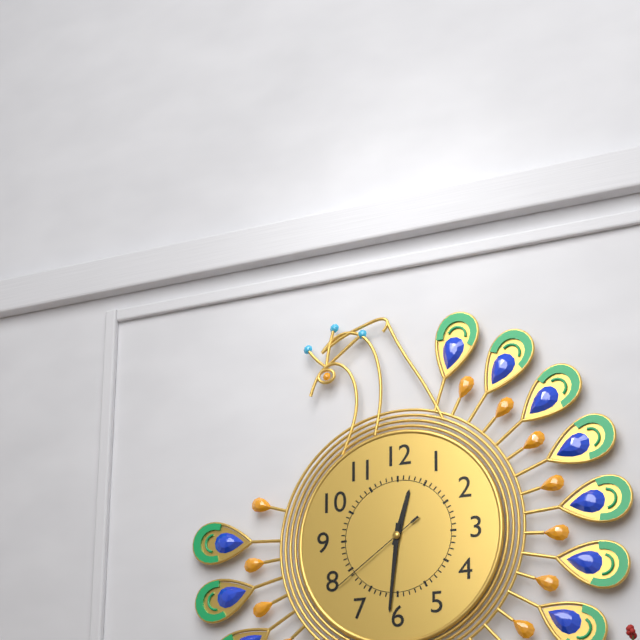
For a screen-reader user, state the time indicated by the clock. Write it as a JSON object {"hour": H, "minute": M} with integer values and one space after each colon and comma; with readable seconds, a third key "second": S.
{"hour": 12, "minute": 31, "second": 39}
